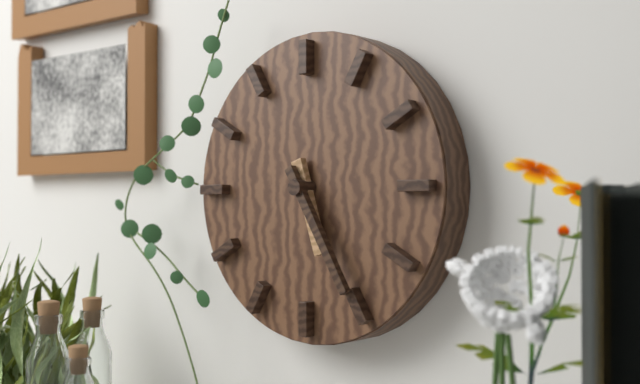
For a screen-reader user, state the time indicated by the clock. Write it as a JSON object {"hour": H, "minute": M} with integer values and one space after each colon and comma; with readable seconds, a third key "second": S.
{"hour": 5, "minute": 25}
